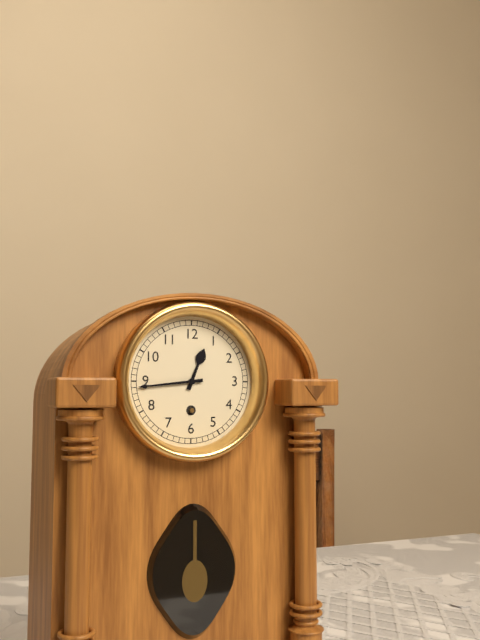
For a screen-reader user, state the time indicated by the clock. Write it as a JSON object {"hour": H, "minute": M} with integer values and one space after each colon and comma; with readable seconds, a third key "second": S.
{"hour": 12, "minute": 44}
